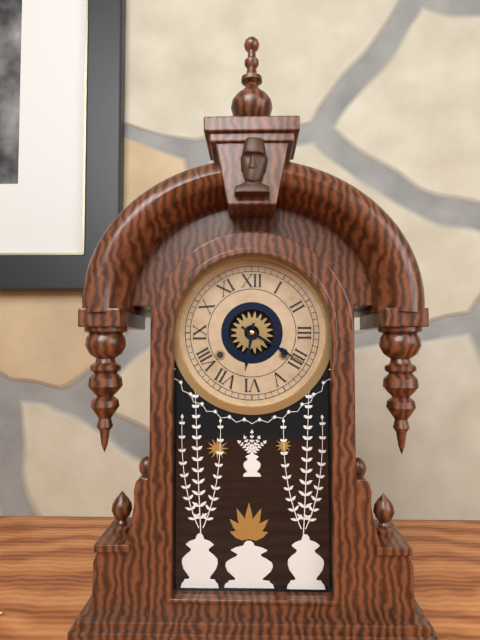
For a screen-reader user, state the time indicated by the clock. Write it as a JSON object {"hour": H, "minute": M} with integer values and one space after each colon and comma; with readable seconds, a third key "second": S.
{"hour": 6, "minute": 20}
